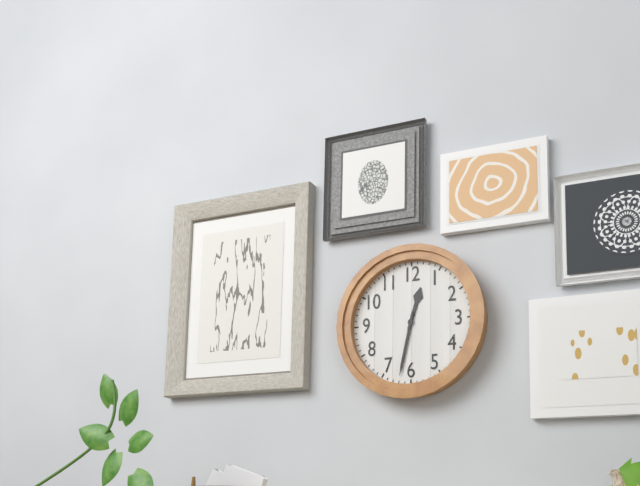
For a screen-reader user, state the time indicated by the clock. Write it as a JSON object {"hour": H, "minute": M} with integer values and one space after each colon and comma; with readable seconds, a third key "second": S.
{"hour": 12, "minute": 32}
